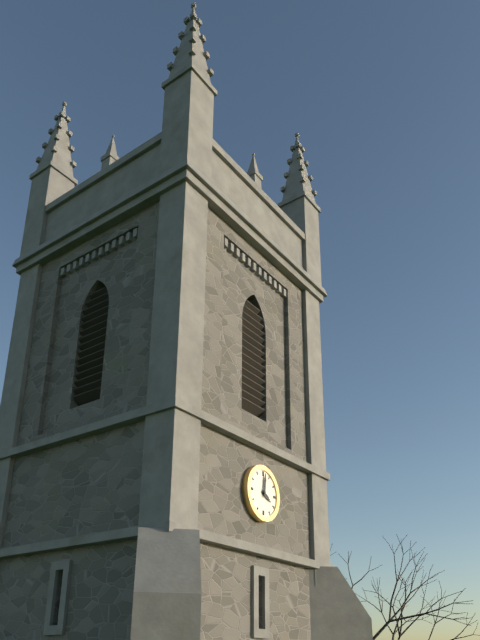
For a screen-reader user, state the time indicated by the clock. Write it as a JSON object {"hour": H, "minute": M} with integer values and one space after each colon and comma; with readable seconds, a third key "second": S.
{"hour": 4, "minute": 1}
